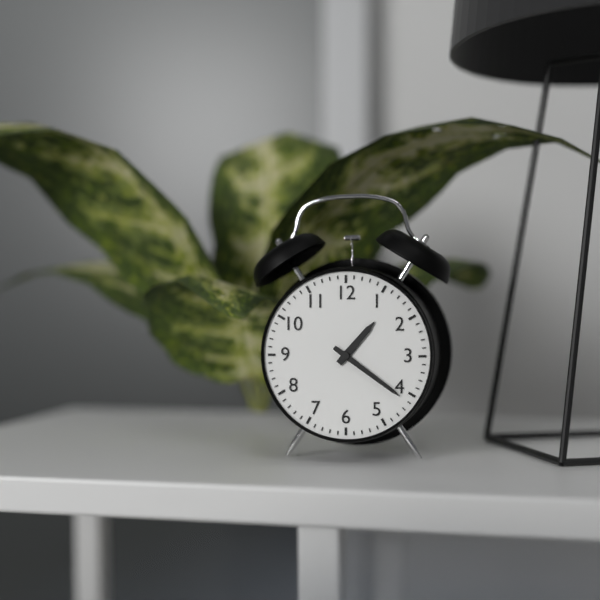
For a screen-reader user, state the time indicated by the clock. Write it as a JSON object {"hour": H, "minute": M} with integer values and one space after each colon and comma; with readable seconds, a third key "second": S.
{"hour": 1, "minute": 21}
